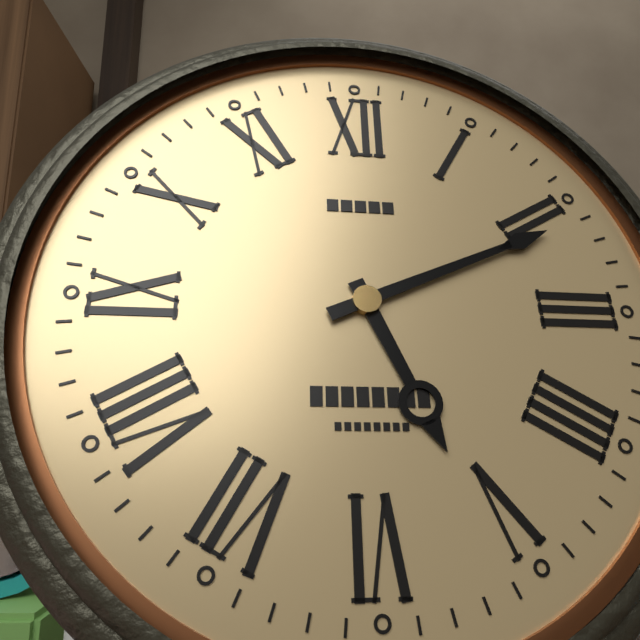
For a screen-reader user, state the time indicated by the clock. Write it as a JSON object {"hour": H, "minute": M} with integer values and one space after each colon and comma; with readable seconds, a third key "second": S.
{"hour": 5, "minute": 11}
